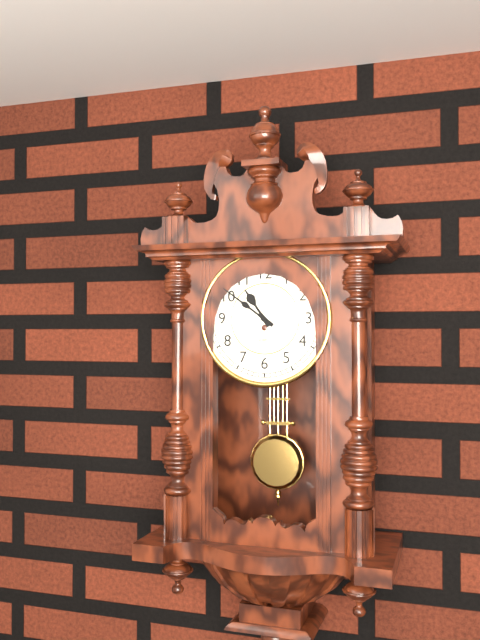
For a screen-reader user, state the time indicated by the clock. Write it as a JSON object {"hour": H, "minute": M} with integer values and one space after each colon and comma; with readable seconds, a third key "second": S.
{"hour": 10, "minute": 51}
